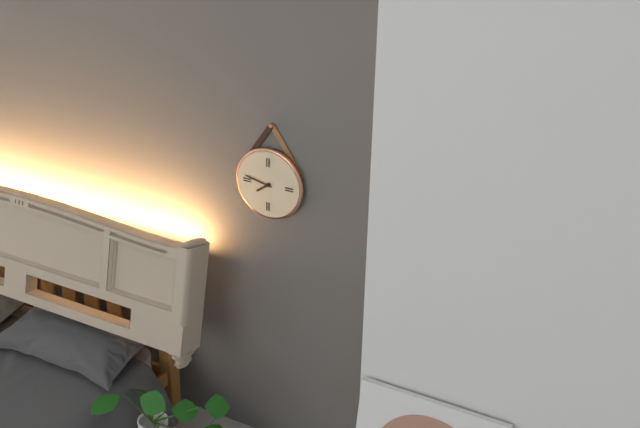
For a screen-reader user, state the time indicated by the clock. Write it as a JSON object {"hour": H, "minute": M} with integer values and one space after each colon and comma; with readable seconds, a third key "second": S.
{"hour": 7, "minute": 47}
